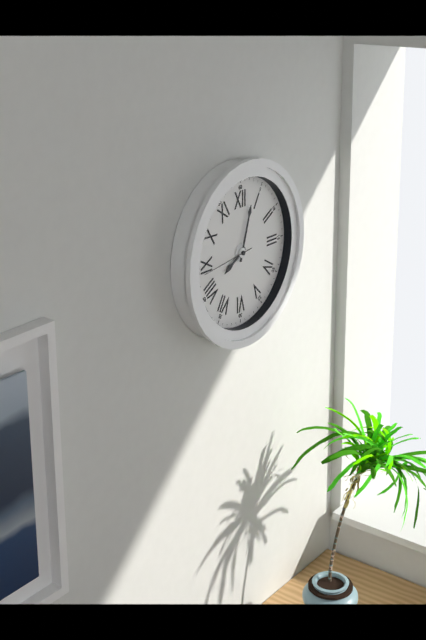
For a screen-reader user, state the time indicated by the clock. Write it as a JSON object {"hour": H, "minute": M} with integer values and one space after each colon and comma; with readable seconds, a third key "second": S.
{"hour": 8, "minute": 3, "second": 44}
